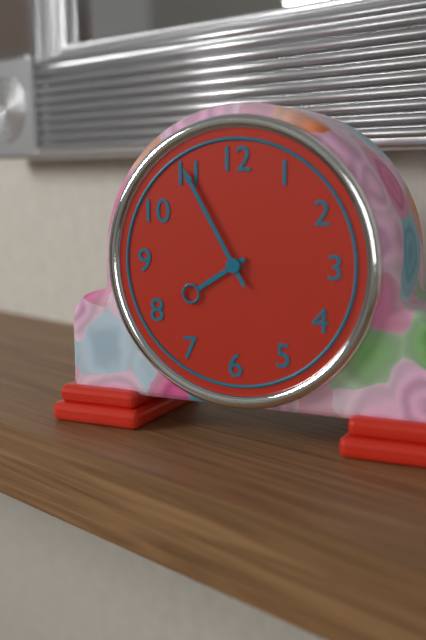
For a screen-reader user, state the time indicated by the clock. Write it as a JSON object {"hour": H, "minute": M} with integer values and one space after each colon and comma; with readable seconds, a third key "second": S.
{"hour": 7, "minute": 55}
